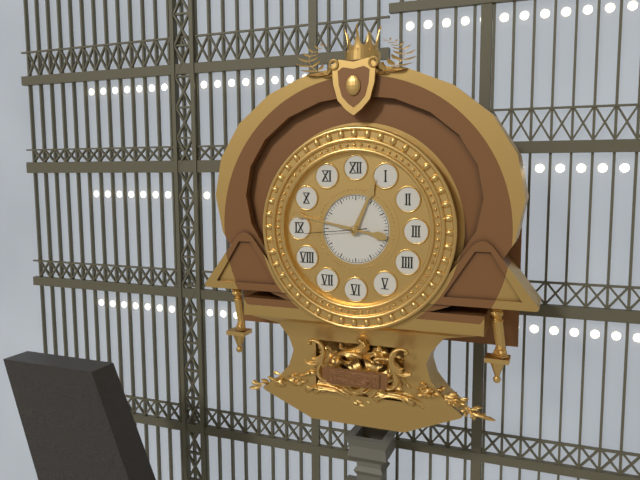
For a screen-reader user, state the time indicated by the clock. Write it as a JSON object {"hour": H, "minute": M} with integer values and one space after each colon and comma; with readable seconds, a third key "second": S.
{"hour": 12, "minute": 47, "second": 44}
